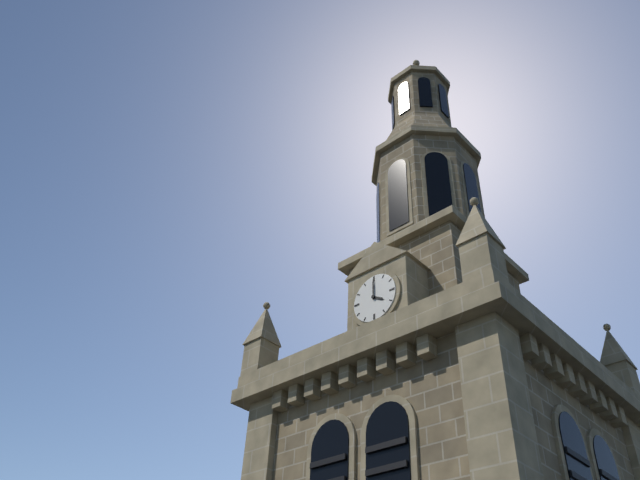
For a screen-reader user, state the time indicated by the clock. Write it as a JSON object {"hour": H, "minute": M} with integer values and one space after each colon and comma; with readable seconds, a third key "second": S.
{"hour": 4, "minute": 0}
